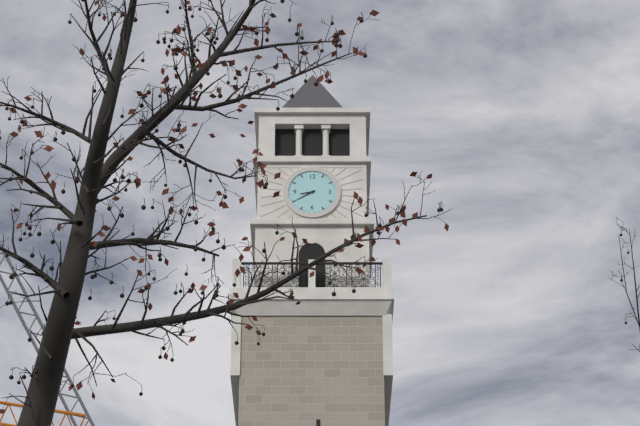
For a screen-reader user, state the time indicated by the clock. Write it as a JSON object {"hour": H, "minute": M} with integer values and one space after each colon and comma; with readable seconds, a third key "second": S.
{"hour": 8, "minute": 40}
